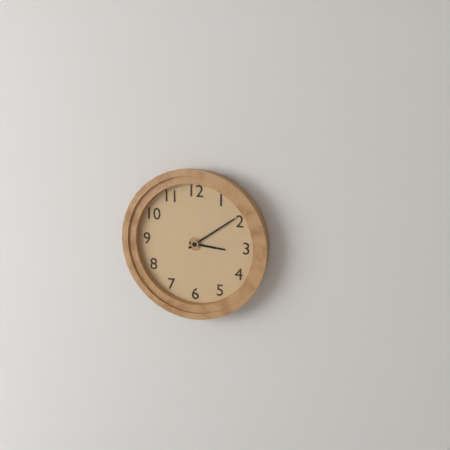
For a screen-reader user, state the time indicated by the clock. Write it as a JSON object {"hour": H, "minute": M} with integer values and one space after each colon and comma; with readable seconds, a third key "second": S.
{"hour": 3, "minute": 9}
